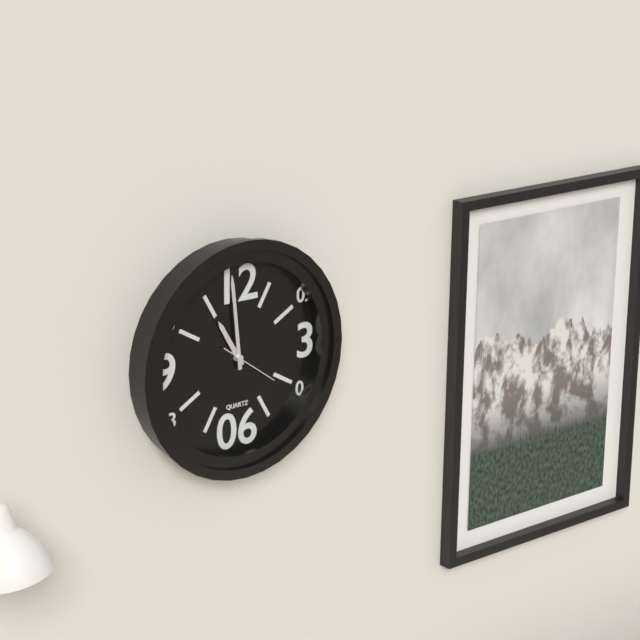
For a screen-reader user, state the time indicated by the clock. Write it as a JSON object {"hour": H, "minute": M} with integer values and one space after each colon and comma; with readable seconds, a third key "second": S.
{"hour": 10, "minute": 59, "second": 21}
